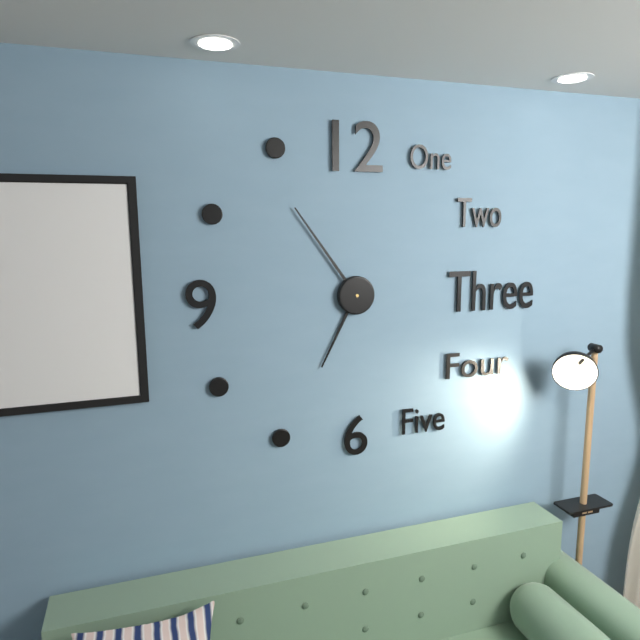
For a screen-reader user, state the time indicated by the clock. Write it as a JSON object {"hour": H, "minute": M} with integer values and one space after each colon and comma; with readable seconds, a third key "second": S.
{"hour": 6, "minute": 54}
